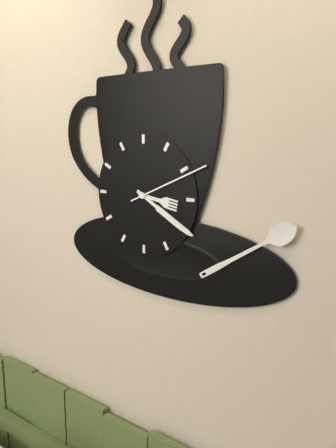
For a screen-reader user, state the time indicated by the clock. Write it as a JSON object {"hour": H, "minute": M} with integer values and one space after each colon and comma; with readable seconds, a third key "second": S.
{"hour": 3, "minute": 20, "second": 11}
